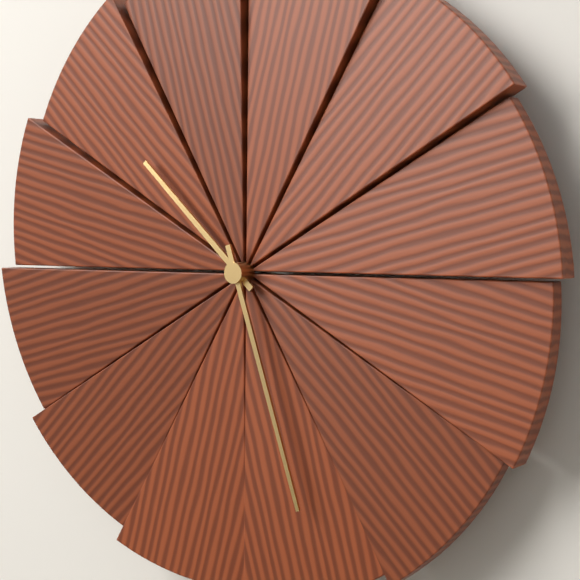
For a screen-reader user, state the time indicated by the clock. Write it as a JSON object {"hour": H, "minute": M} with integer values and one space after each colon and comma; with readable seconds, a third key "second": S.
{"hour": 10, "minute": 27}
